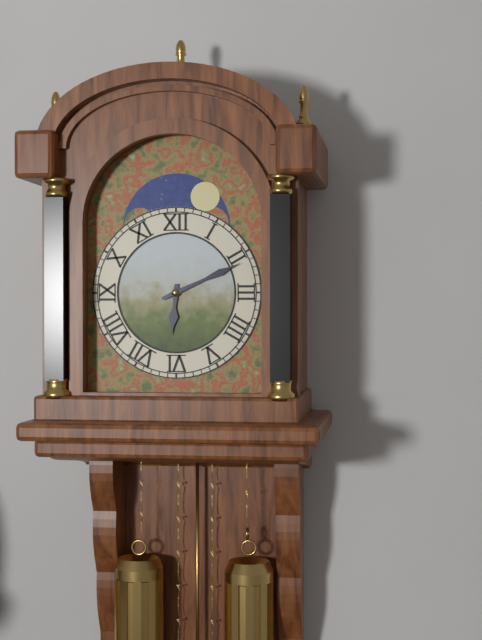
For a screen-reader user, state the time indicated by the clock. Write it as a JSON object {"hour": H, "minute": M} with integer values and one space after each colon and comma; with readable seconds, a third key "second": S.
{"hour": 6, "minute": 11}
